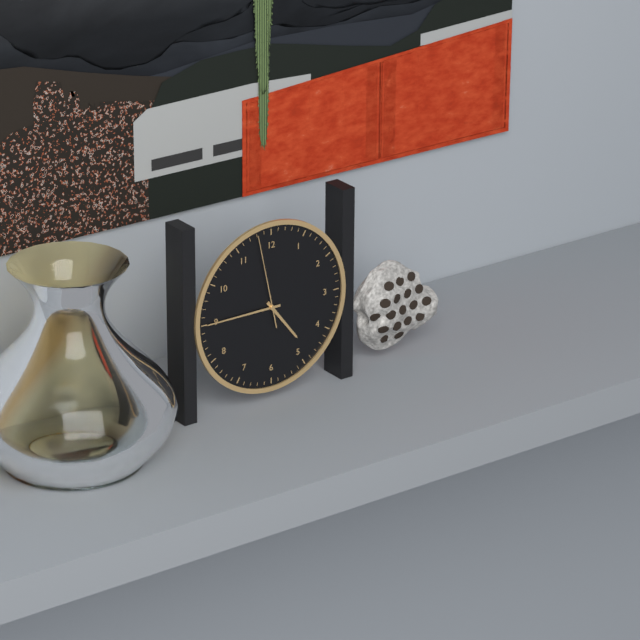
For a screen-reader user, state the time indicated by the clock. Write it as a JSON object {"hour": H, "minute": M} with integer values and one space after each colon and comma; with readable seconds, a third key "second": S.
{"hour": 4, "minute": 45, "second": 58}
